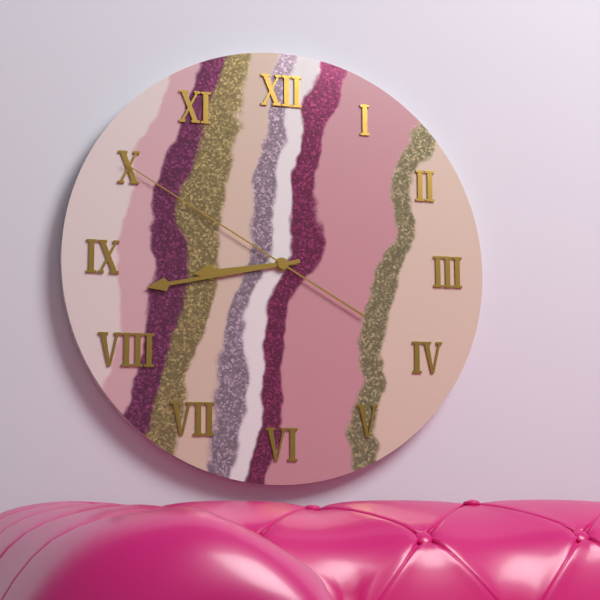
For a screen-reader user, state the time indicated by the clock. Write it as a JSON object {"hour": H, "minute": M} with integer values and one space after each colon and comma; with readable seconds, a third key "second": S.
{"hour": 8, "minute": 43, "second": 50}
